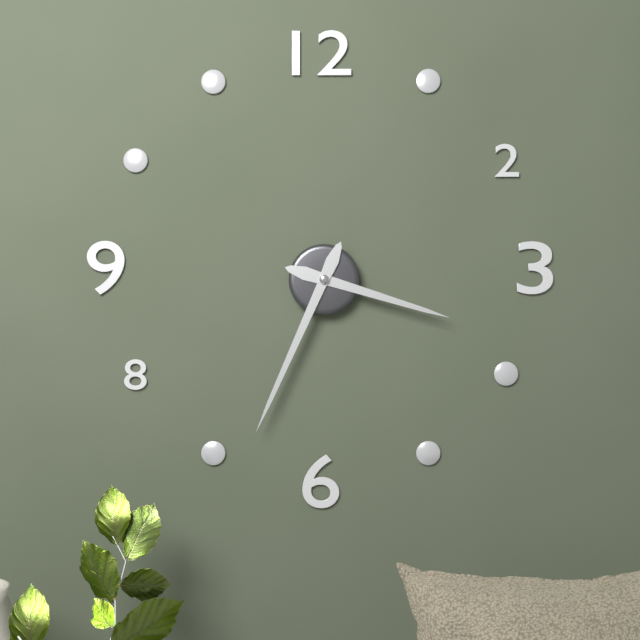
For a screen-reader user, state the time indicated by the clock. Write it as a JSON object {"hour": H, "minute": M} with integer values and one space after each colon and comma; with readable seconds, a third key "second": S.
{"hour": 3, "minute": 34}
